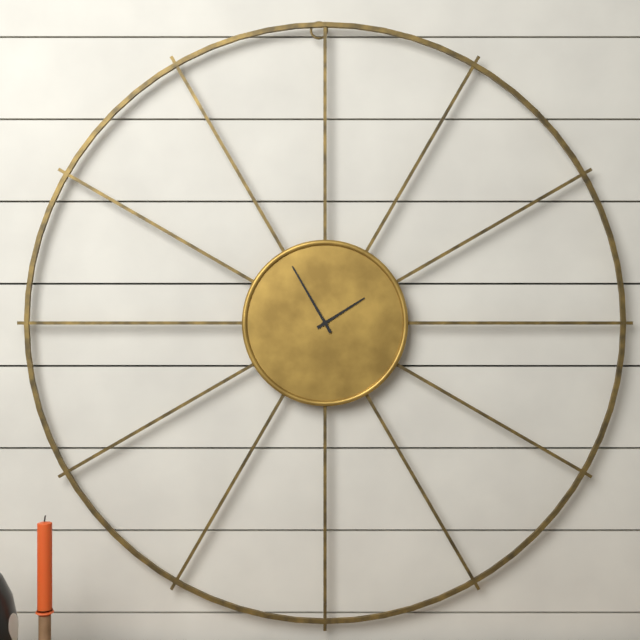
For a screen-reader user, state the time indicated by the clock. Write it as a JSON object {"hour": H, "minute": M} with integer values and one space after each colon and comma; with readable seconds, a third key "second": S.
{"hour": 1, "minute": 55}
